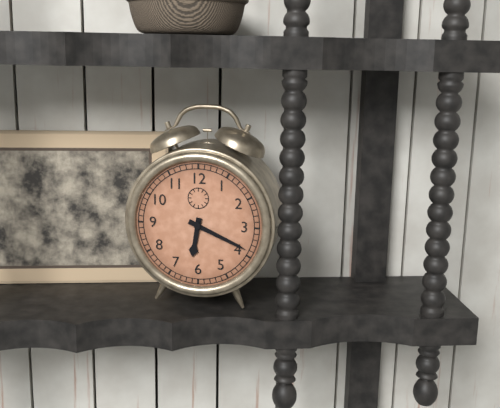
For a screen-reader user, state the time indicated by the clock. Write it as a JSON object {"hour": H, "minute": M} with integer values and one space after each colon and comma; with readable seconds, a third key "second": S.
{"hour": 6, "minute": 19}
